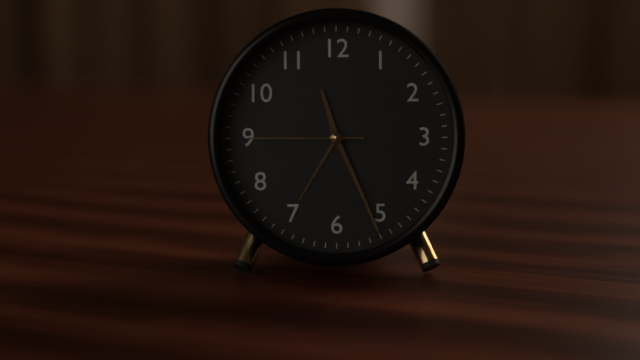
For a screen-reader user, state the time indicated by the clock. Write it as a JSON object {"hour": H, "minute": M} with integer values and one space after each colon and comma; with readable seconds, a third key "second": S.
{"hour": 11, "minute": 26, "second": 45}
